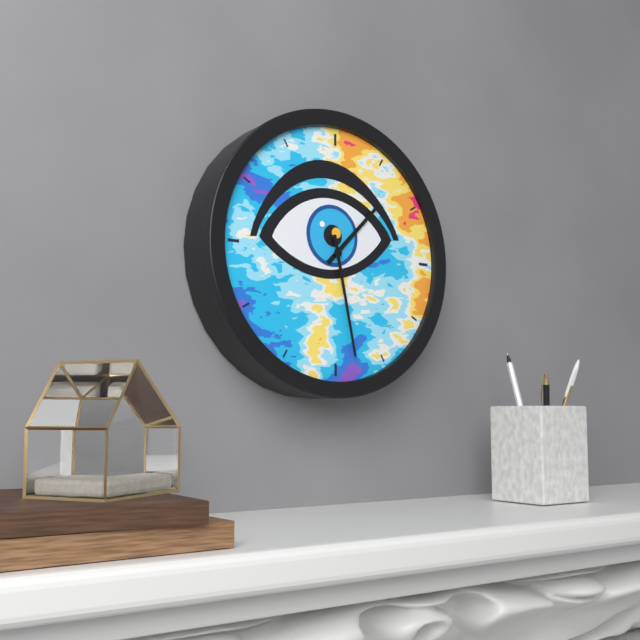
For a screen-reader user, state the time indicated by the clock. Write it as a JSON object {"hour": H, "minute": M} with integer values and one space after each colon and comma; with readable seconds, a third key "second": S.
{"hour": 1, "minute": 28}
